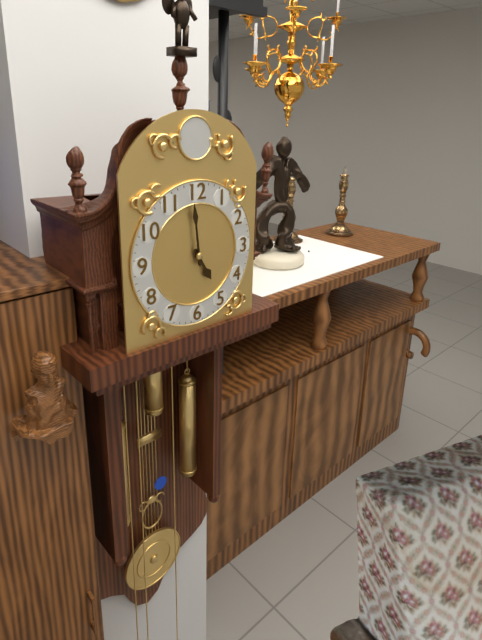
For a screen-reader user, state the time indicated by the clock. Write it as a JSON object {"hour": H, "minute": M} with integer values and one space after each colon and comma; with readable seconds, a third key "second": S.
{"hour": 4, "minute": 59}
